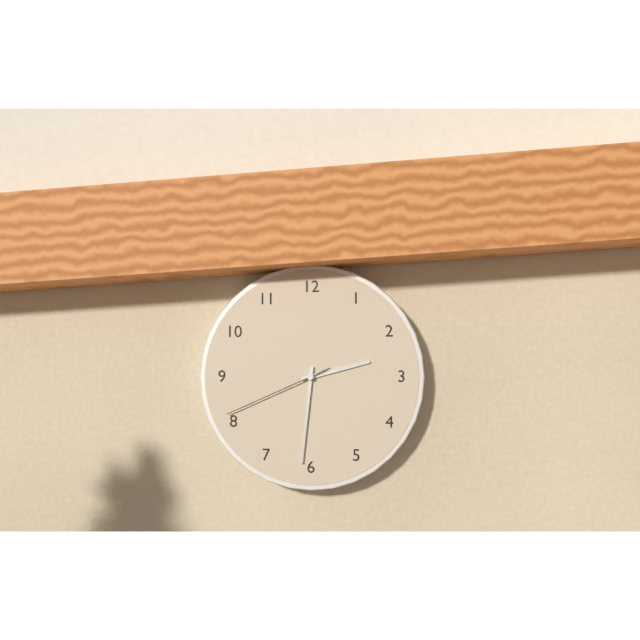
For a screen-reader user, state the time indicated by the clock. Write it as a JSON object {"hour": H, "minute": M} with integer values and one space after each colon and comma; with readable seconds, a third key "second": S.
{"hour": 2, "minute": 31, "second": 41}
